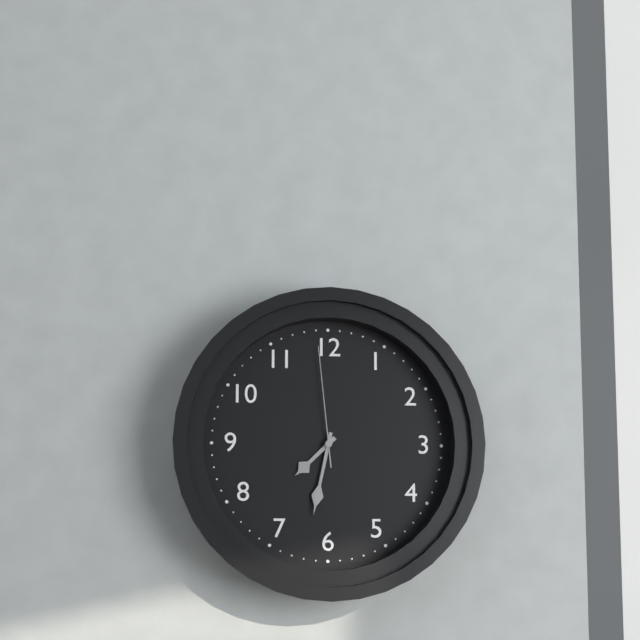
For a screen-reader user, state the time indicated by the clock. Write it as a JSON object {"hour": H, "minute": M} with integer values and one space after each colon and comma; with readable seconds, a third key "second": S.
{"hour": 7, "minute": 32, "second": 59}
